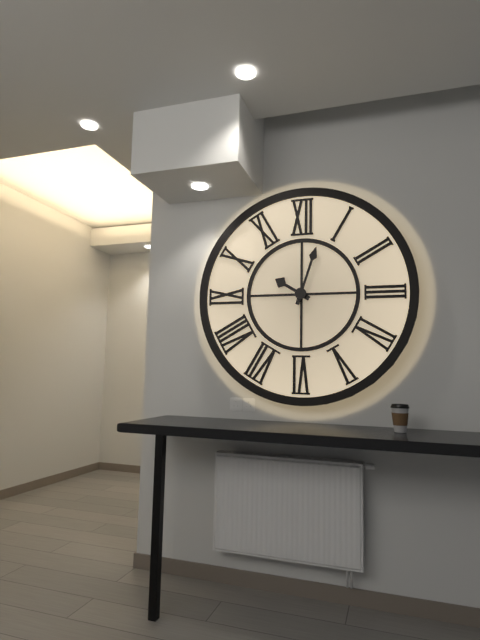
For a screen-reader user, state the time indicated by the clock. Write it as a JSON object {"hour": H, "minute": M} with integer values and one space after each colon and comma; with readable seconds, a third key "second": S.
{"hour": 10, "minute": 3}
